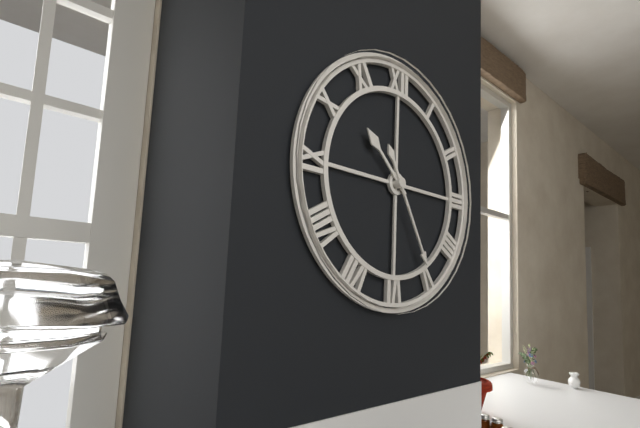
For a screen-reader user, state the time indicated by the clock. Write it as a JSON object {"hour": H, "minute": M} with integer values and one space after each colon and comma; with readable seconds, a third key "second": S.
{"hour": 10, "minute": 25}
